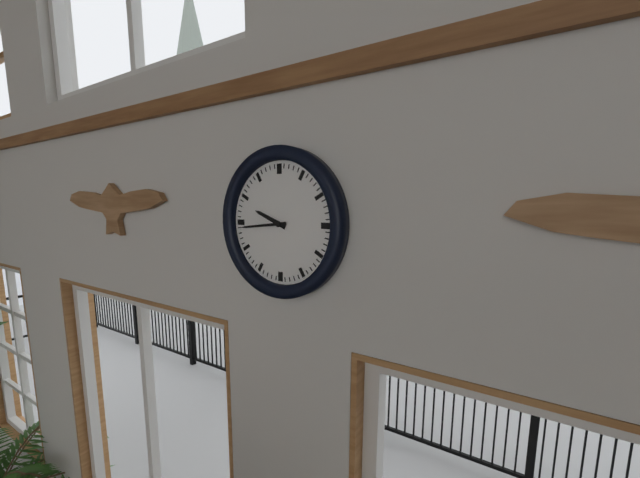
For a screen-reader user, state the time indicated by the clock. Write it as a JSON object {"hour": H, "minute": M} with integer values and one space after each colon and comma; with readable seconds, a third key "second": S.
{"hour": 9, "minute": 44}
